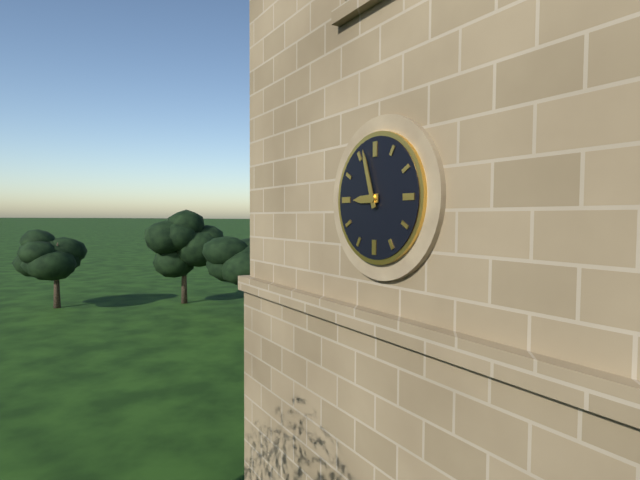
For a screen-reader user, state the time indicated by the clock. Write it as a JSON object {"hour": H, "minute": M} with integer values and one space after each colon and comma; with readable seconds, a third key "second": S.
{"hour": 8, "minute": 57}
